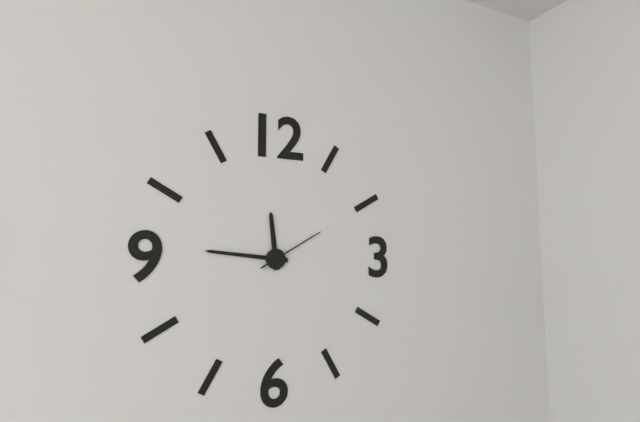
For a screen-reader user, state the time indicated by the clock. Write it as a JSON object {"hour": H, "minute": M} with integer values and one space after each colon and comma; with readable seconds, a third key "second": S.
{"hour": 11, "minute": 46, "second": 10}
